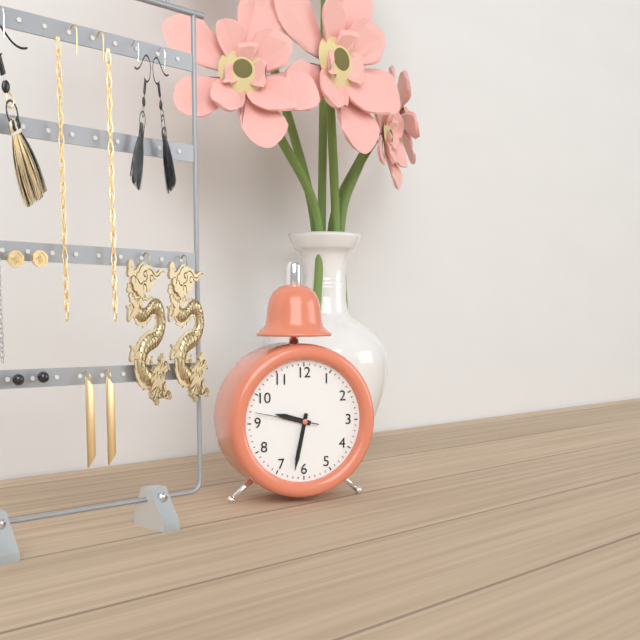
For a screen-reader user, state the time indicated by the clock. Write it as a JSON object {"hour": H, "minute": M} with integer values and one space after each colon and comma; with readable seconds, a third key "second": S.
{"hour": 9, "minute": 32, "second": 47}
